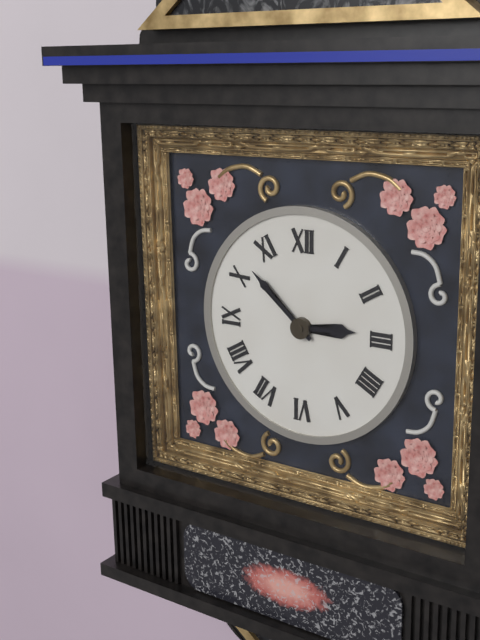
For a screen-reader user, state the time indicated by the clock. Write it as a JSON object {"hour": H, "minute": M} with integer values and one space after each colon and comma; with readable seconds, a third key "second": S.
{"hour": 2, "minute": 52}
